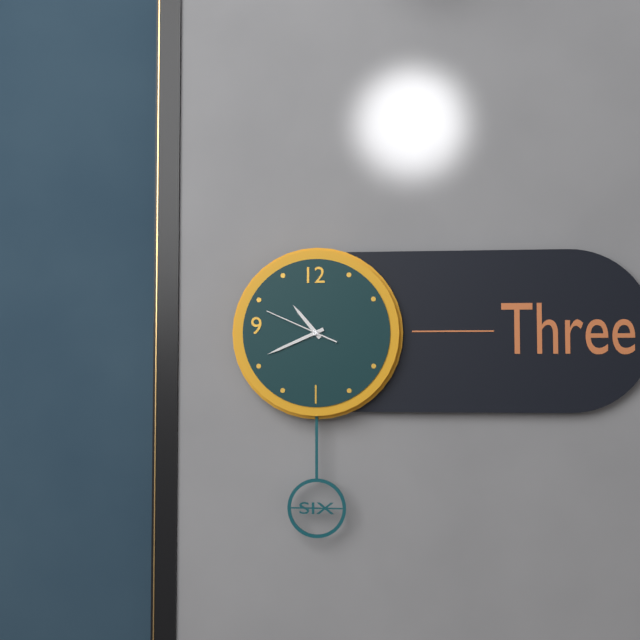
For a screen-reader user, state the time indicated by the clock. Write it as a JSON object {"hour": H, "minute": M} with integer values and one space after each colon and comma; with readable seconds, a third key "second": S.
{"hour": 10, "minute": 41, "second": 49}
